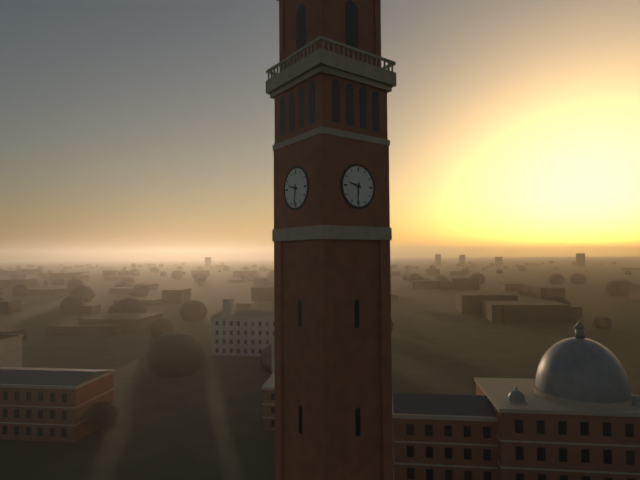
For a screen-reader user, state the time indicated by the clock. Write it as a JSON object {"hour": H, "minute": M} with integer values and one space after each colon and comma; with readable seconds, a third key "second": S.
{"hour": 9, "minute": 31}
